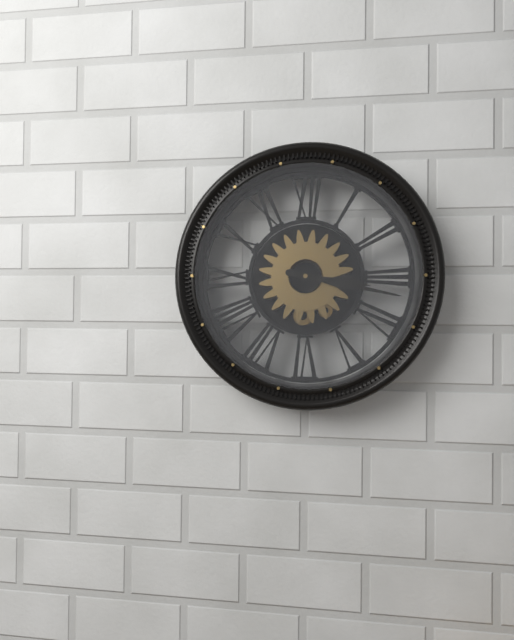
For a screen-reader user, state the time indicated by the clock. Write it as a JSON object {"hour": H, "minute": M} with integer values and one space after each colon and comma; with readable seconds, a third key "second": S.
{"hour": 3, "minute": 17}
